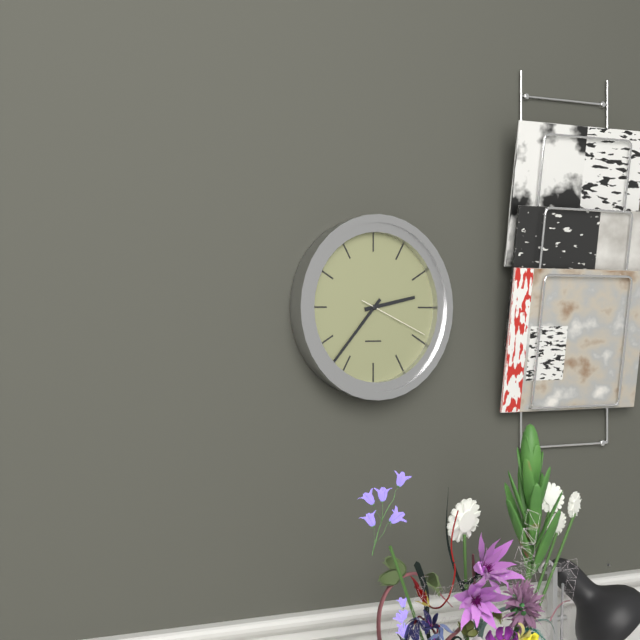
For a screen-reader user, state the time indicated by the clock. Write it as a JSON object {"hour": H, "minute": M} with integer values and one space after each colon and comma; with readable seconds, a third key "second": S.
{"hour": 2, "minute": 37, "second": 19}
